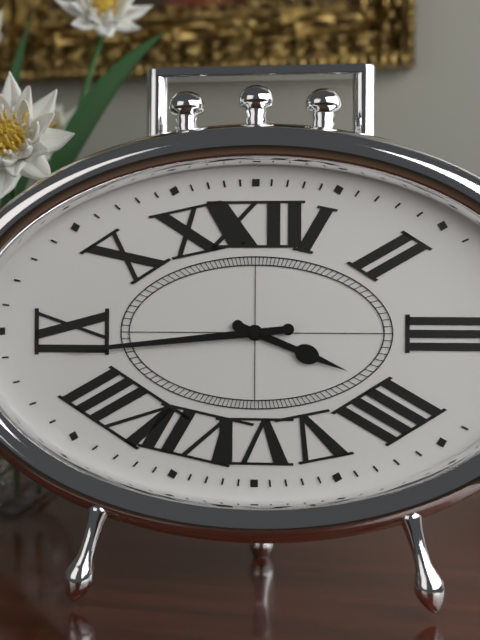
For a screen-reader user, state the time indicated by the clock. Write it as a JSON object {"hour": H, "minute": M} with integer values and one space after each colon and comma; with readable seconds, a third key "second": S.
{"hour": 3, "minute": 44}
